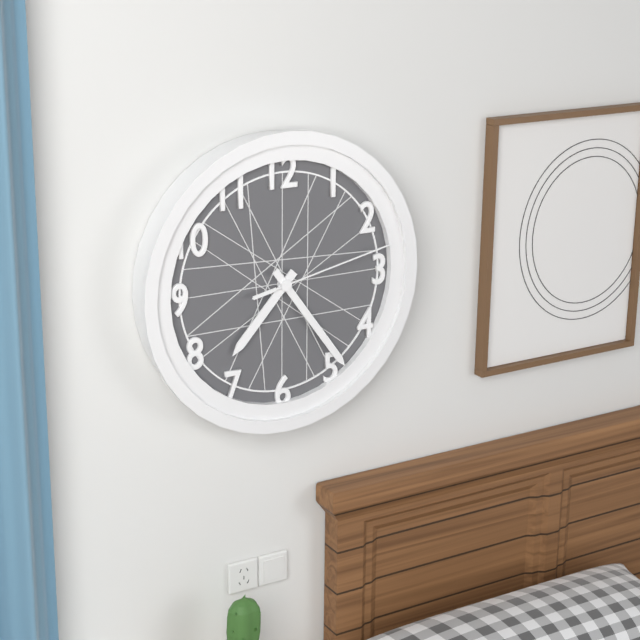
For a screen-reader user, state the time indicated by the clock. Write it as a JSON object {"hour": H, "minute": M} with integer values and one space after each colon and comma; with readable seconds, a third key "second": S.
{"hour": 7, "minute": 24, "second": 13}
